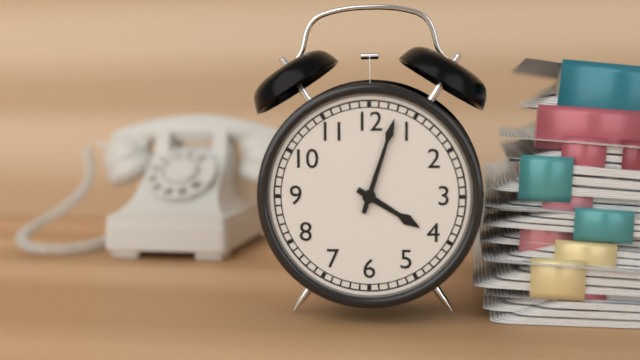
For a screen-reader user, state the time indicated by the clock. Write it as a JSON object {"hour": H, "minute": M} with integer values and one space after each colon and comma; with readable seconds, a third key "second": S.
{"hour": 4, "minute": 3}
